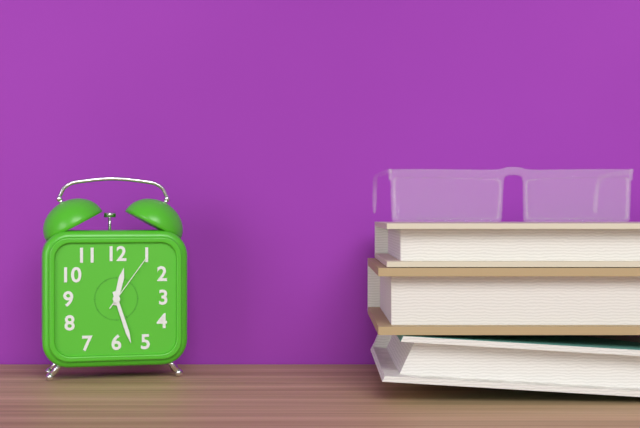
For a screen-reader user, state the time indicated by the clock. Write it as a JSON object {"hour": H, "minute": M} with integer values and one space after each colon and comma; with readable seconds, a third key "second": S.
{"hour": 12, "minute": 27, "second": 6}
